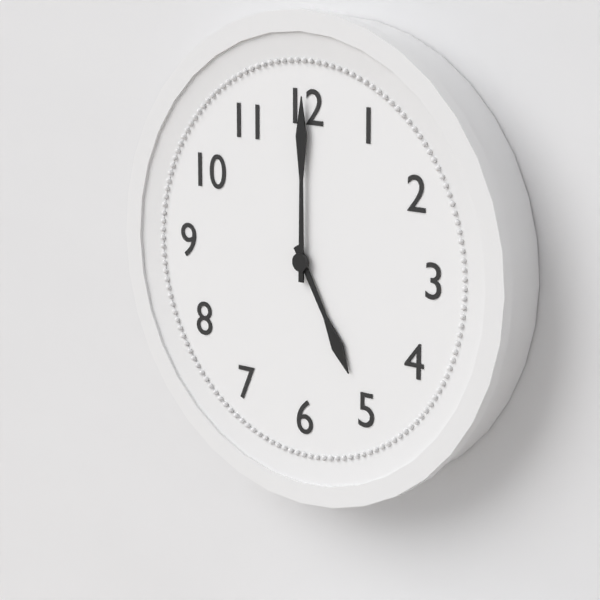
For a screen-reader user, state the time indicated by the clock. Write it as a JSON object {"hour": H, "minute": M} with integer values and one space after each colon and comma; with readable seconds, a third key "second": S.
{"hour": 5, "minute": 0}
